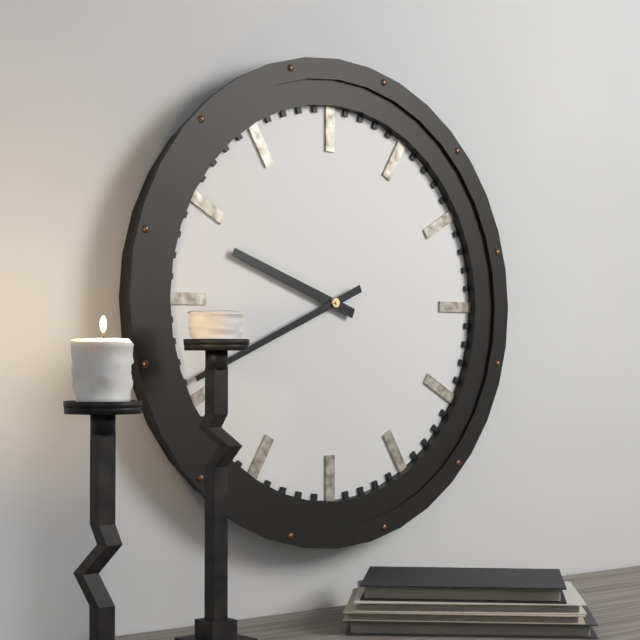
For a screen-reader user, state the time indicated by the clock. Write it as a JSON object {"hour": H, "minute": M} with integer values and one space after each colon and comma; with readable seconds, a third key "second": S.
{"hour": 9, "minute": 41}
